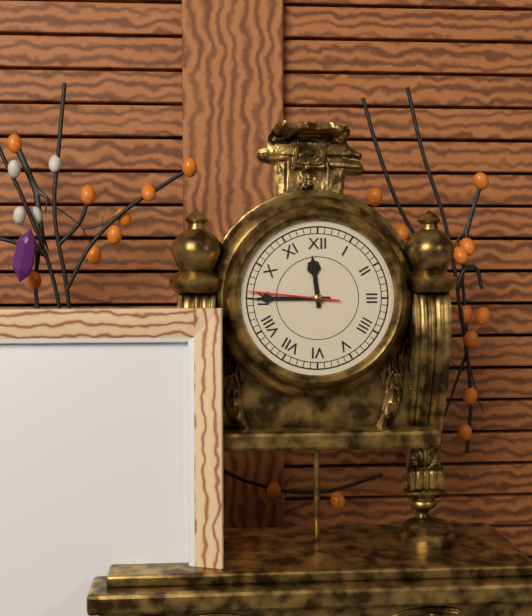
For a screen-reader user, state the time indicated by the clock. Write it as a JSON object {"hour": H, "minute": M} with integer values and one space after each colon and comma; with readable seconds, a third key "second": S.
{"hour": 11, "minute": 45, "second": 46}
